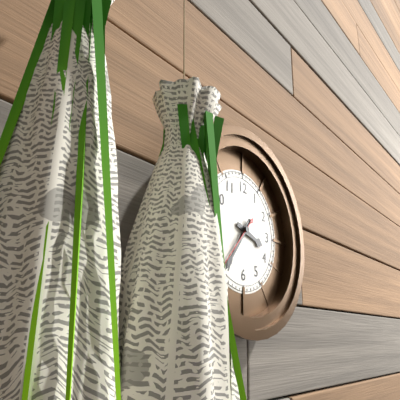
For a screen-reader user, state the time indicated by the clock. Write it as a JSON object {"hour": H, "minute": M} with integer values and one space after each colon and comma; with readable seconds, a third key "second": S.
{"hour": 3, "minute": 36, "second": 37}
